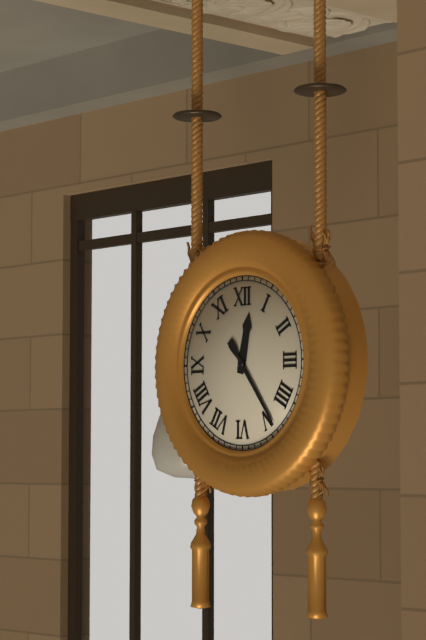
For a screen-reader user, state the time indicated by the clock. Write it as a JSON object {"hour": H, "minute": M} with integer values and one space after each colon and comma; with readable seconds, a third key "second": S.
{"hour": 12, "minute": 24}
